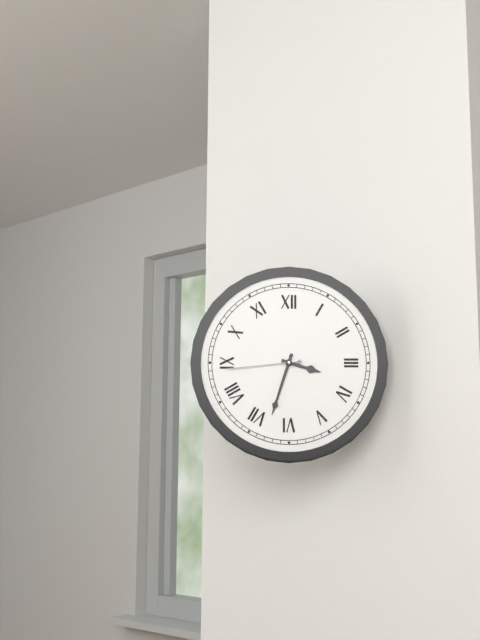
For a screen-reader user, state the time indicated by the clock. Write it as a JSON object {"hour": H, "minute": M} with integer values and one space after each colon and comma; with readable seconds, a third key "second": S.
{"hour": 3, "minute": 33, "second": 44}
